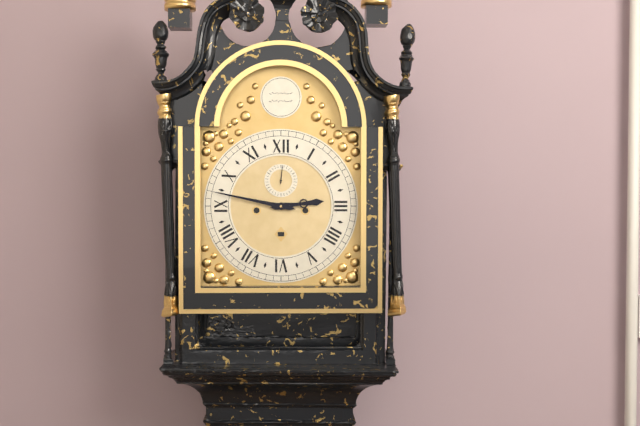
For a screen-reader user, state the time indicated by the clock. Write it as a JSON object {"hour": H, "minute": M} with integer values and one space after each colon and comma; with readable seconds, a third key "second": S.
{"hour": 2, "minute": 47}
